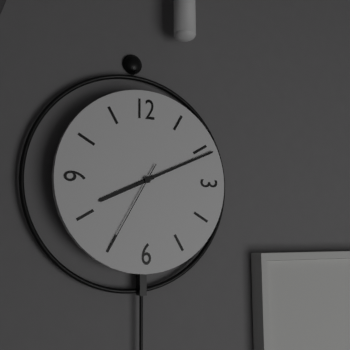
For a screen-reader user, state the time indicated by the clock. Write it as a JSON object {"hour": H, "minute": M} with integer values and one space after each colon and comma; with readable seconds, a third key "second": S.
{"hour": 8, "minute": 11, "second": 35}
